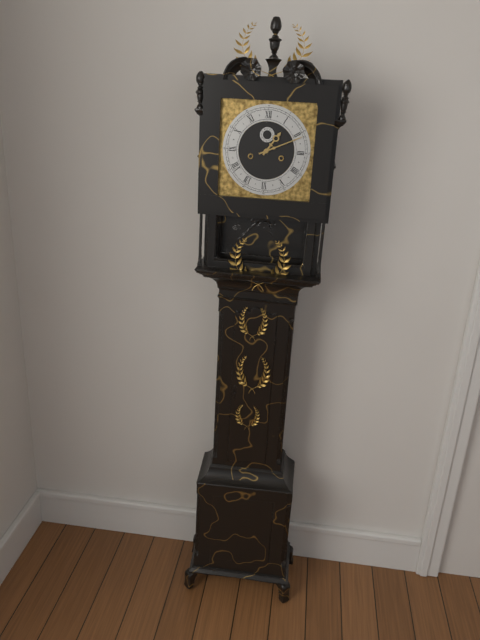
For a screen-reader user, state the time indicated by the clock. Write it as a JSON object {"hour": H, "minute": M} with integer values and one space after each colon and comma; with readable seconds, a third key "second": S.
{"hour": 1, "minute": 11}
